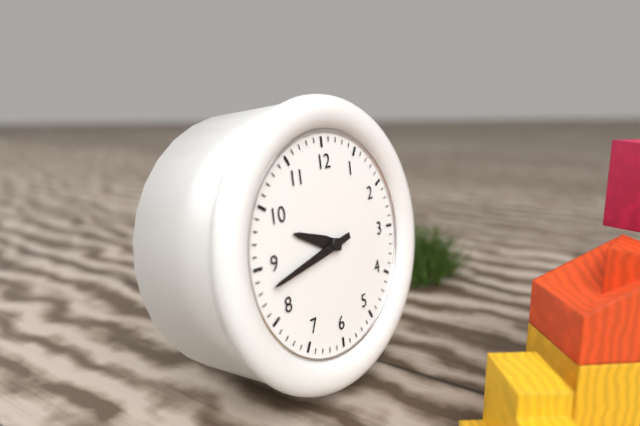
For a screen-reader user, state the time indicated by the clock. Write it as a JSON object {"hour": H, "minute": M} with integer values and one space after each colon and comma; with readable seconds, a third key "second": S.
{"hour": 9, "minute": 43}
